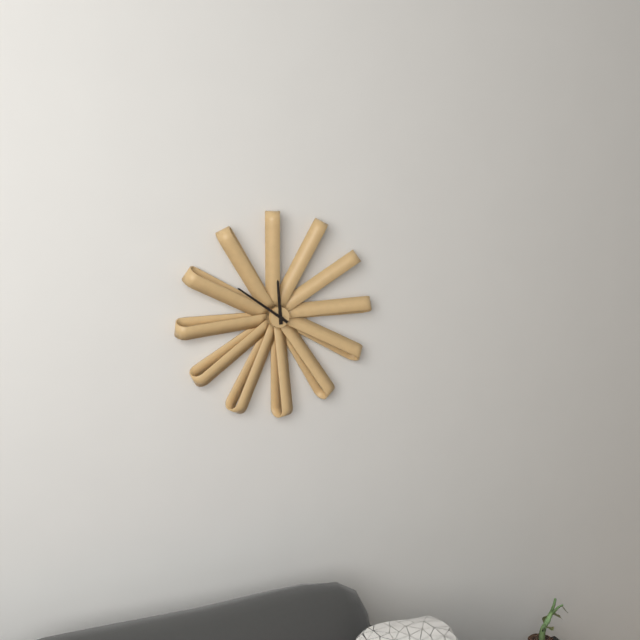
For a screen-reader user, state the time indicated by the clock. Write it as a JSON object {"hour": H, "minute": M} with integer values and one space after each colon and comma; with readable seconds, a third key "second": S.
{"hour": 11, "minute": 51}
